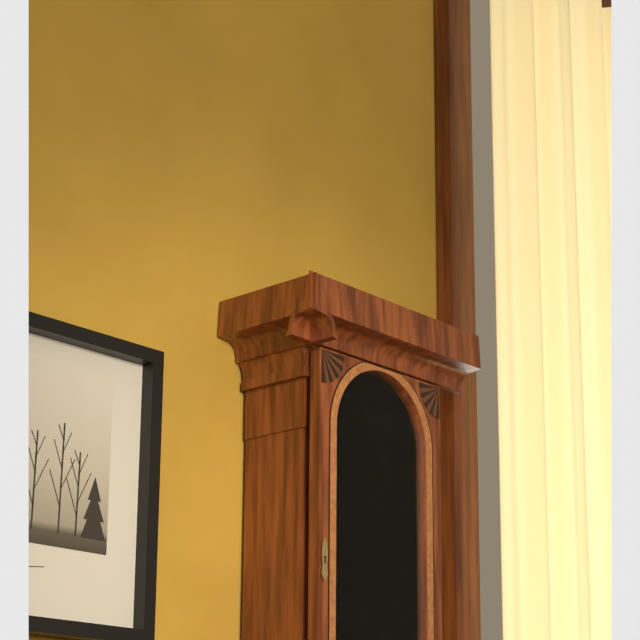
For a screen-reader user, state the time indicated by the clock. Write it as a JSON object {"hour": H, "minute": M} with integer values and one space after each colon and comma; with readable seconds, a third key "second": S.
{"hour": 10, "minute": 41}
